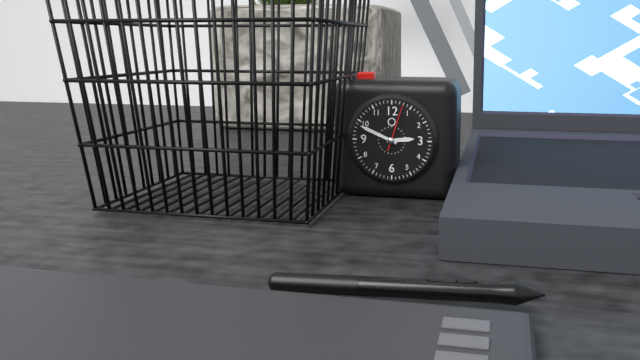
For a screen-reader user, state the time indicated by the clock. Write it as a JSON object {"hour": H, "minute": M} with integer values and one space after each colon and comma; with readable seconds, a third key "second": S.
{"hour": 2, "minute": 49}
